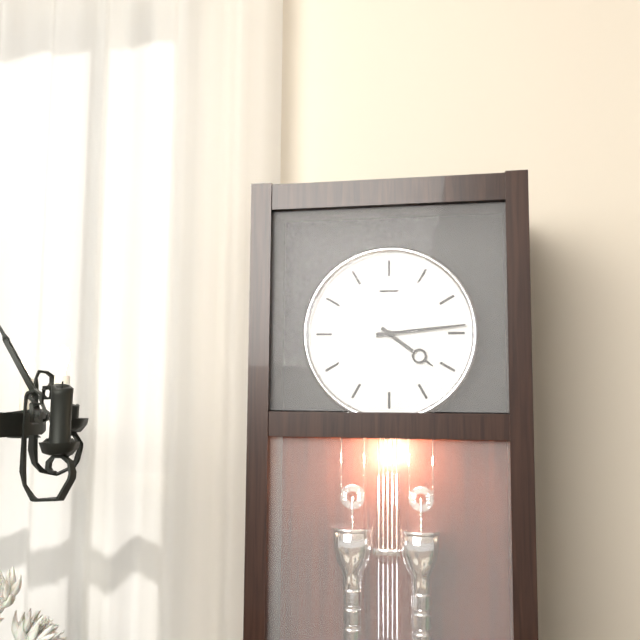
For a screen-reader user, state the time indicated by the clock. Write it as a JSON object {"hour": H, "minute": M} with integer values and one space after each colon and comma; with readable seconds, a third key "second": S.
{"hour": 4, "minute": 14}
